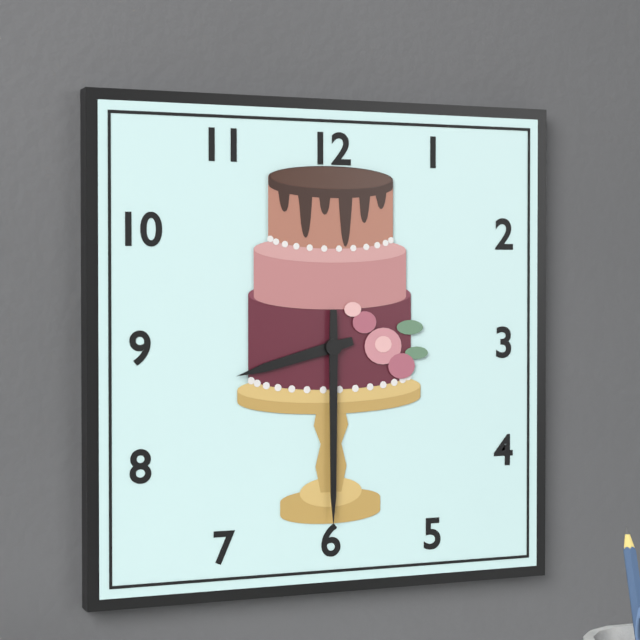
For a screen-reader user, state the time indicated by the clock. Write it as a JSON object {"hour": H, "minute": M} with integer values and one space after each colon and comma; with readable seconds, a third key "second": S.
{"hour": 8, "minute": 30}
